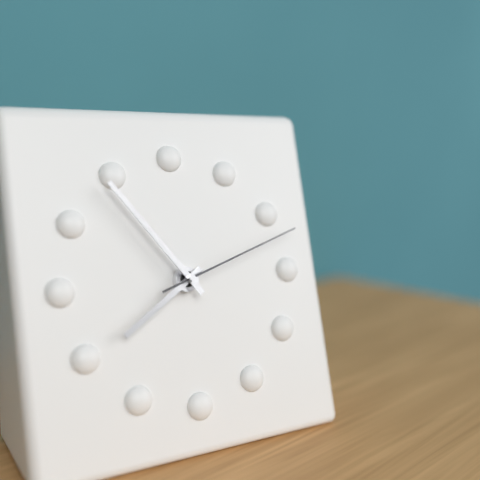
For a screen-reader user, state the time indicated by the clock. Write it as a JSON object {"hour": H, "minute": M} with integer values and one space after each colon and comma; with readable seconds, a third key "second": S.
{"hour": 7, "minute": 54, "second": 12}
